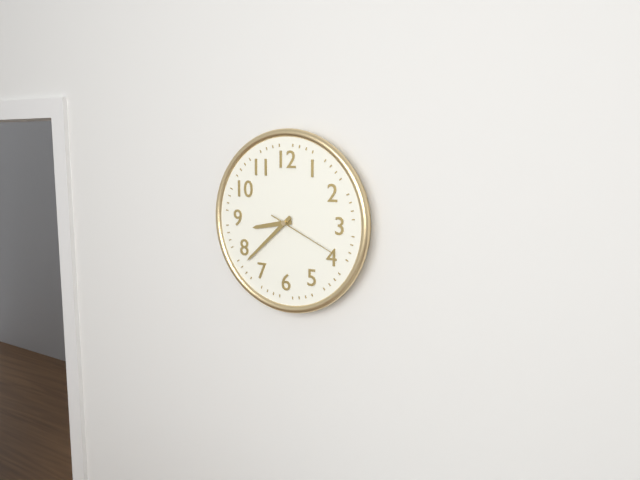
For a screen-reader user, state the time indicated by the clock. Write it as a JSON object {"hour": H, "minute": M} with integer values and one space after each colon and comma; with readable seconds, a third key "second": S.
{"hour": 8, "minute": 38, "second": 19}
